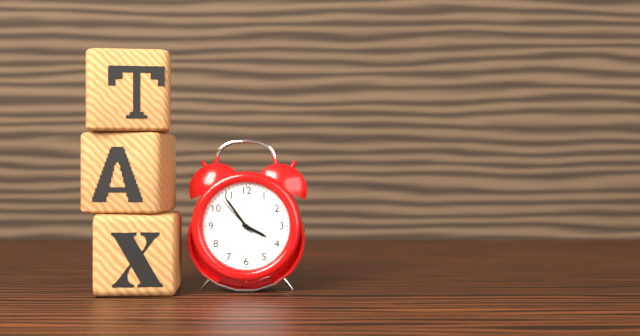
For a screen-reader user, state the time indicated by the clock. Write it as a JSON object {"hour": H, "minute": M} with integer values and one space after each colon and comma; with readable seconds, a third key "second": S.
{"hour": 3, "minute": 54}
